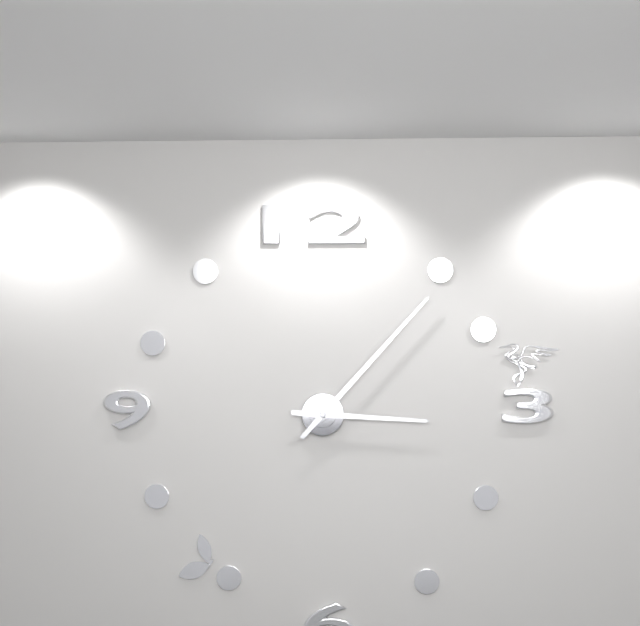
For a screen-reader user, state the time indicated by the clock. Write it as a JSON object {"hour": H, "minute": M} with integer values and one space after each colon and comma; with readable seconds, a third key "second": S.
{"hour": 3, "minute": 7}
